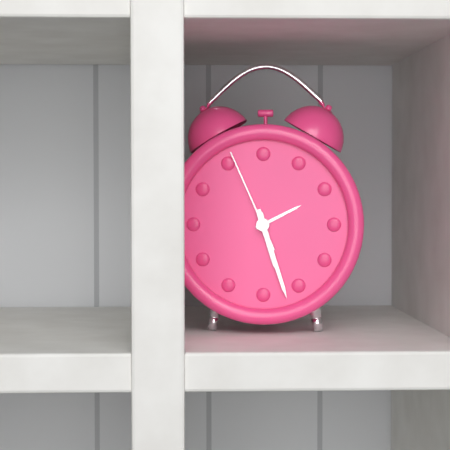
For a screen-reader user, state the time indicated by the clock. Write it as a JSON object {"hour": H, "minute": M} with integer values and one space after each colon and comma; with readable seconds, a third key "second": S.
{"hour": 5, "minute": 27, "second": 56}
